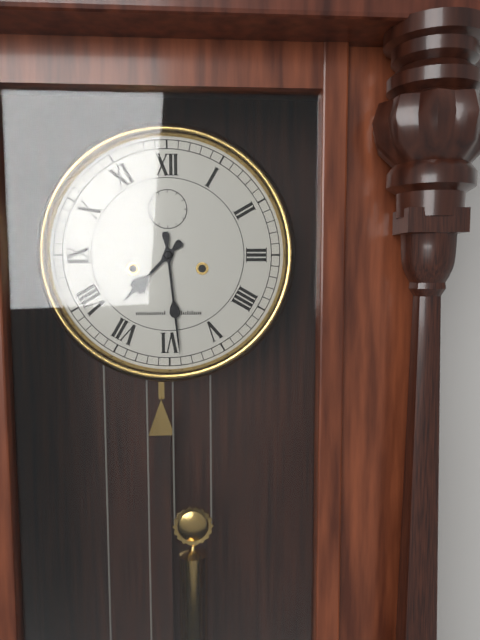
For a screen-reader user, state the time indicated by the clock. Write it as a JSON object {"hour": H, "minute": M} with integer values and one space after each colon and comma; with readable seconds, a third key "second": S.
{"hour": 7, "minute": 29}
